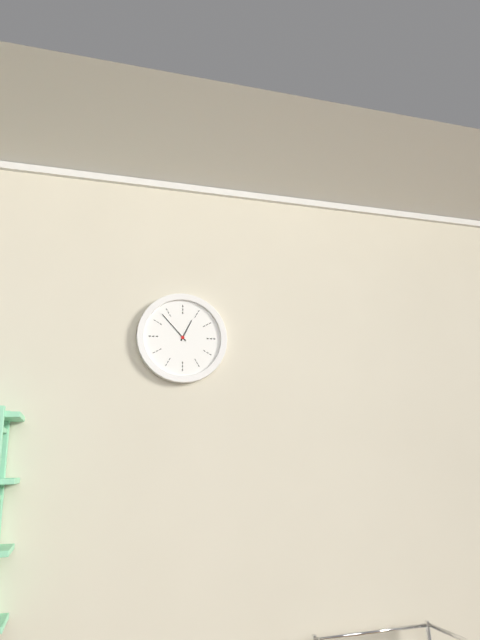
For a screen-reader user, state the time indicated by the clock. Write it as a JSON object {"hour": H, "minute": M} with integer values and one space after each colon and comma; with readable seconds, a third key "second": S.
{"hour": 12, "minute": 53}
